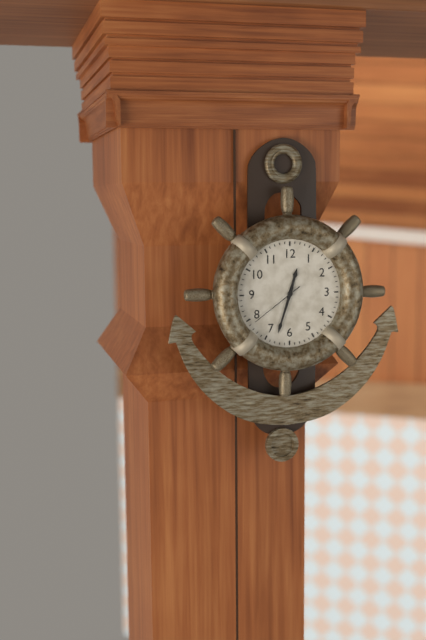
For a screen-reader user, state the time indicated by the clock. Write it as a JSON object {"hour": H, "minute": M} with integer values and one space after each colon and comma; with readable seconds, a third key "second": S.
{"hour": 12, "minute": 33, "second": 39}
